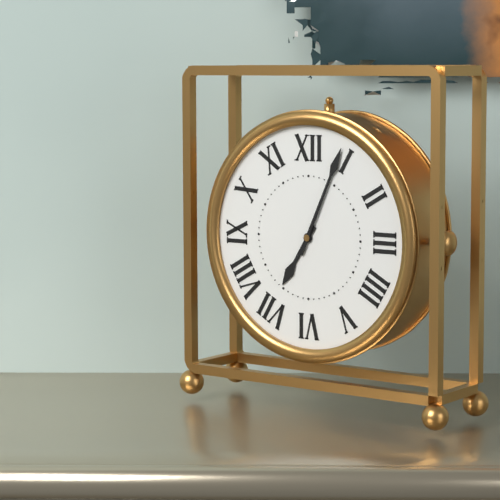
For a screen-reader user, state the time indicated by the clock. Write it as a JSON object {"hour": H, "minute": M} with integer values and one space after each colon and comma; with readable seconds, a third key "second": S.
{"hour": 7, "minute": 4}
